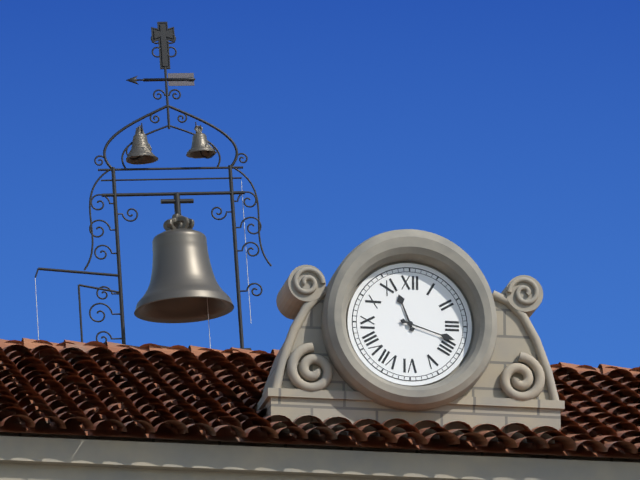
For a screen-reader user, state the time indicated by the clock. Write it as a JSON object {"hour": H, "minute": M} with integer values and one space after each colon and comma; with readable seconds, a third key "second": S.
{"hour": 11, "minute": 18}
